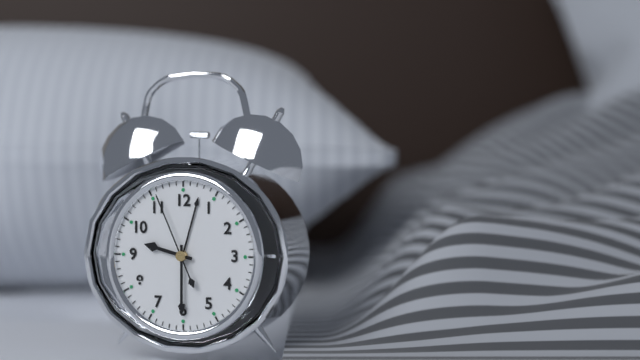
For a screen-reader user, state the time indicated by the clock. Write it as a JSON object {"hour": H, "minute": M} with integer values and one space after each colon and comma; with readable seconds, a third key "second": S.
{"hour": 9, "minute": 30, "second": 56}
